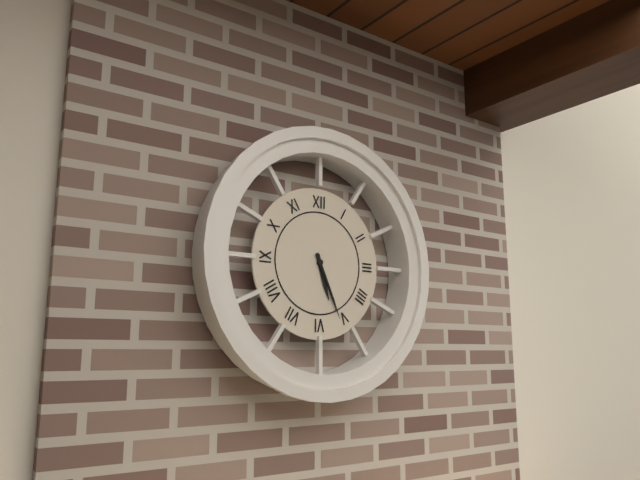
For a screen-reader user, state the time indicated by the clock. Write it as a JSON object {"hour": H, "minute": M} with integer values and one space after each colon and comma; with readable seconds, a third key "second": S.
{"hour": 5, "minute": 26}
